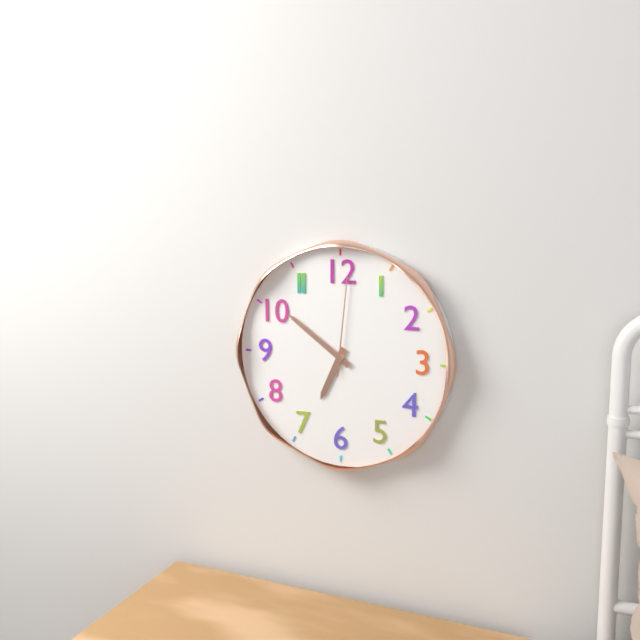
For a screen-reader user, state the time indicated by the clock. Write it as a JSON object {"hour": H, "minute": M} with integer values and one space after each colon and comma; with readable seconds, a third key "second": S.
{"hour": 6, "minute": 51, "second": 1}
